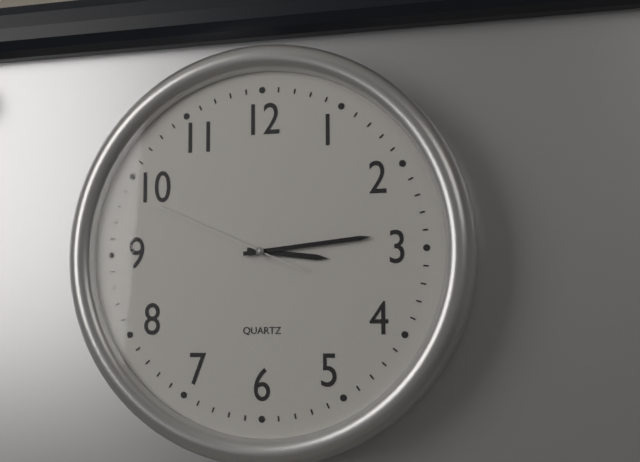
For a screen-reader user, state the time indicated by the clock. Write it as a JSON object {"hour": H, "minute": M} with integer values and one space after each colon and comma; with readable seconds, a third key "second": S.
{"hour": 3, "minute": 14, "second": 49}
